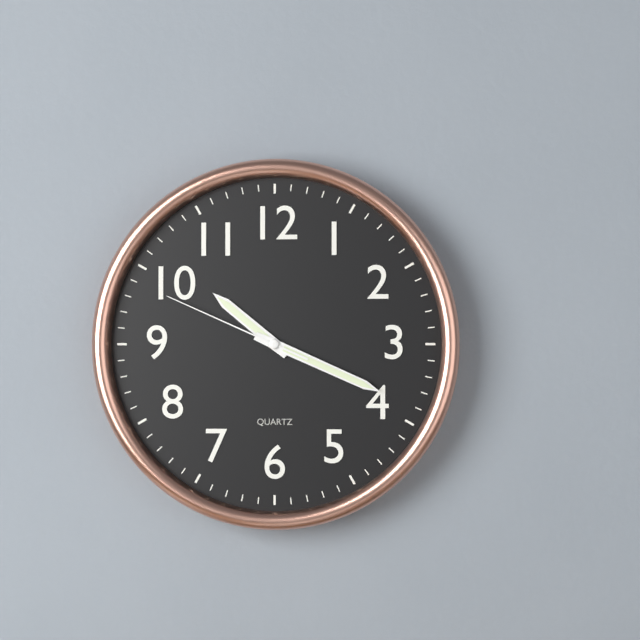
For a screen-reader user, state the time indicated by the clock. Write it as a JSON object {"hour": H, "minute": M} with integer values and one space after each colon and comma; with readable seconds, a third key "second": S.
{"hour": 10, "minute": 19, "second": 49}
